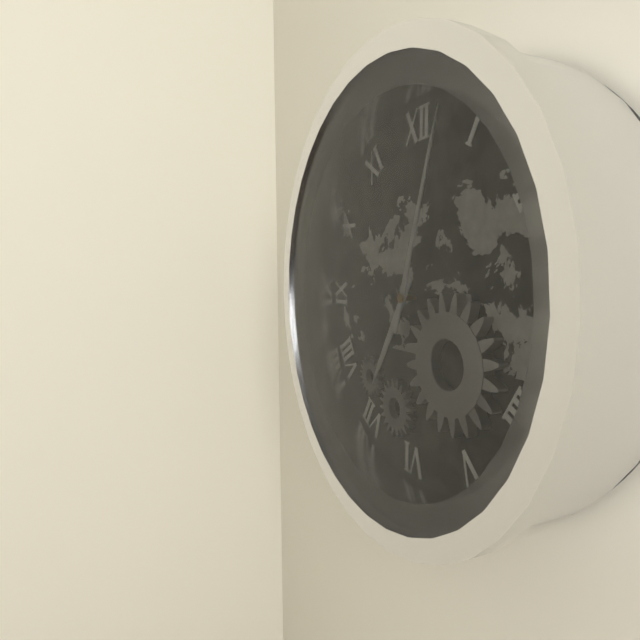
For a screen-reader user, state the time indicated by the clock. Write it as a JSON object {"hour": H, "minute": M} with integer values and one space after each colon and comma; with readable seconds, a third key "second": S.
{"hour": 7, "minute": 3}
